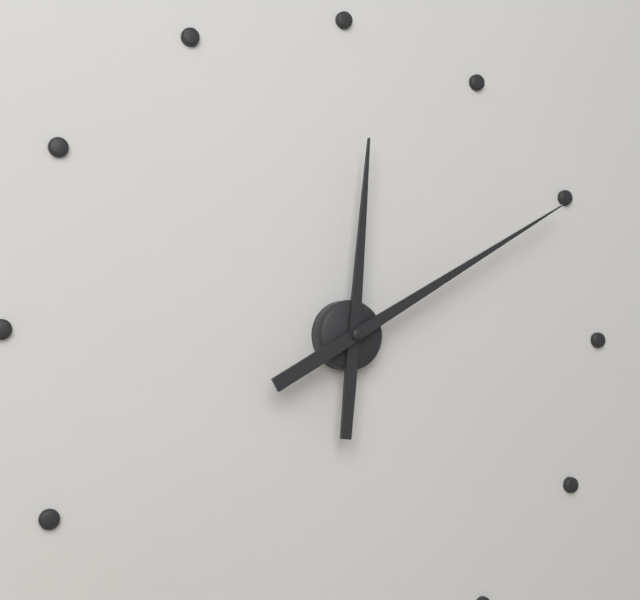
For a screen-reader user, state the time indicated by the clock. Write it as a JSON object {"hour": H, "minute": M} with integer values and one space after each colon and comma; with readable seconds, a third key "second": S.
{"hour": 12, "minute": 10}
